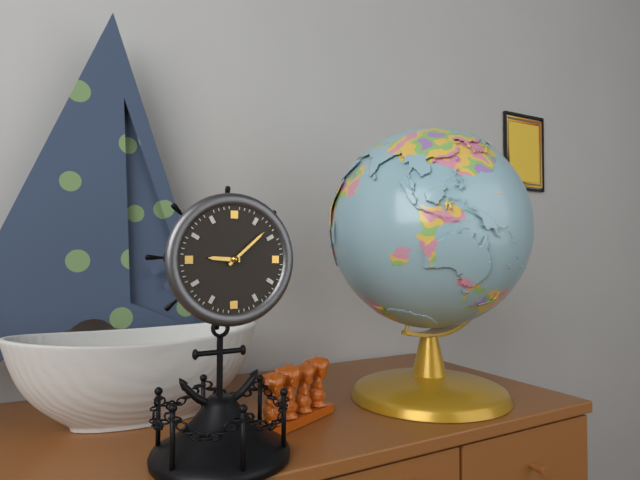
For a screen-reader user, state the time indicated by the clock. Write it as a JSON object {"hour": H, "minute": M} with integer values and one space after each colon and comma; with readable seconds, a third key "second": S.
{"hour": 9, "minute": 8}
